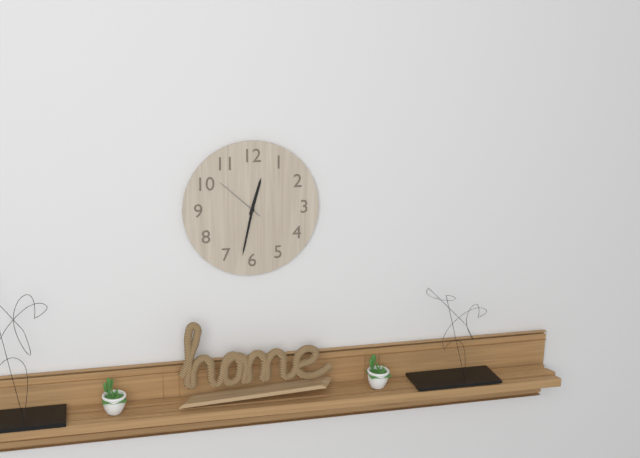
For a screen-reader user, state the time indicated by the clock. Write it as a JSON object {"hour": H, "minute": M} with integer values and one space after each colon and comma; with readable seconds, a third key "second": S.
{"hour": 12, "minute": 32, "second": 52}
